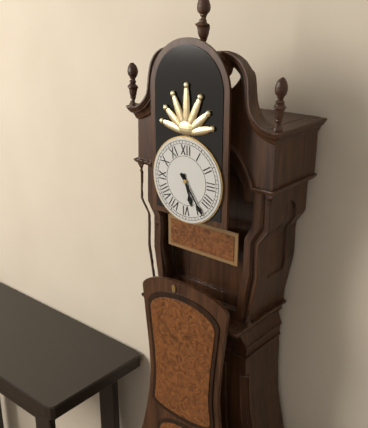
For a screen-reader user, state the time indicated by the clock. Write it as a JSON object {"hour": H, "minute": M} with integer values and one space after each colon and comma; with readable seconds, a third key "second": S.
{"hour": 5, "minute": 24}
